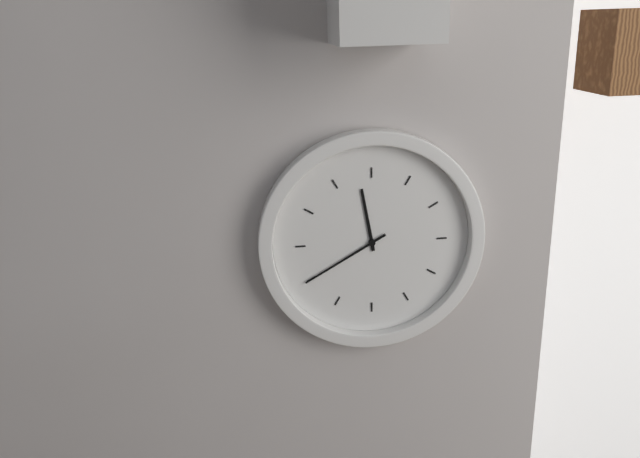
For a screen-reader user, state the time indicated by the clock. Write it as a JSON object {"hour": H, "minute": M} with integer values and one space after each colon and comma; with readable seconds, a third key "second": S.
{"hour": 11, "minute": 40}
